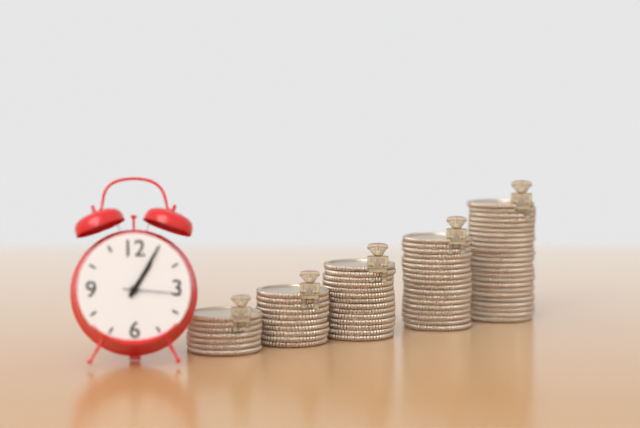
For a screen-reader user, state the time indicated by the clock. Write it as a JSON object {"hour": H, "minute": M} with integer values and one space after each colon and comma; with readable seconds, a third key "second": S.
{"hour": 1, "minute": 5, "second": 16}
